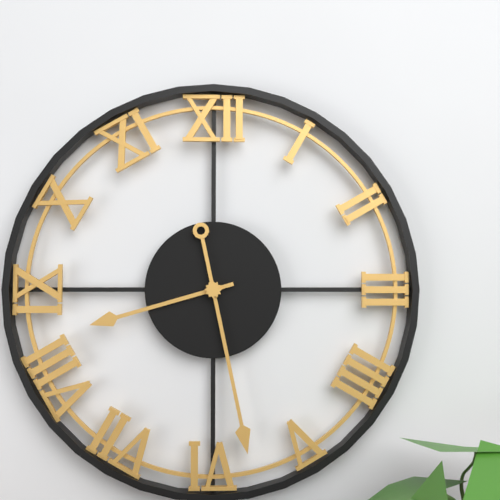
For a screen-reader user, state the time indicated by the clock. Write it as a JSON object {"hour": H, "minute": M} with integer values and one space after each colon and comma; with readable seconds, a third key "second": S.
{"hour": 8, "minute": 28}
